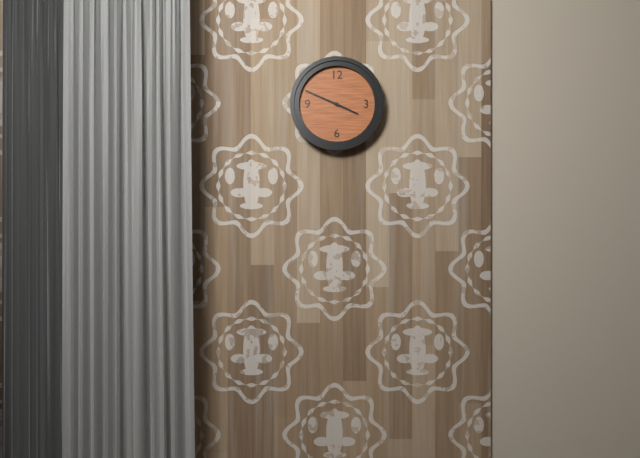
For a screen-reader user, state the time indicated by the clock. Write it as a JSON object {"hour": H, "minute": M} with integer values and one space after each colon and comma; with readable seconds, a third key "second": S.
{"hour": 3, "minute": 49}
